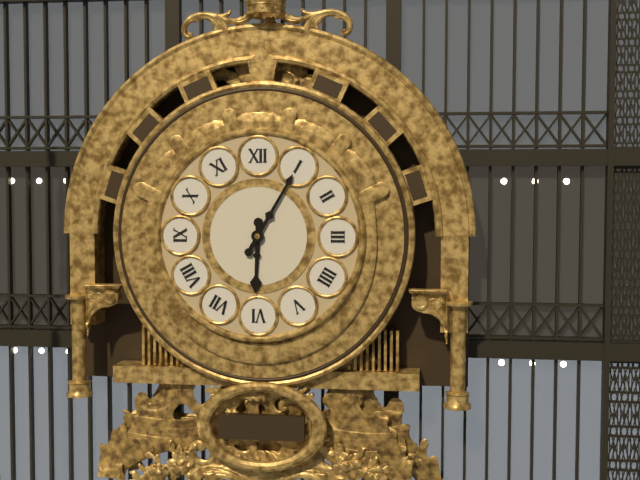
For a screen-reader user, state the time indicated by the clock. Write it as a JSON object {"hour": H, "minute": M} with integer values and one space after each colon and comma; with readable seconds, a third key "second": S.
{"hour": 6, "minute": 5}
